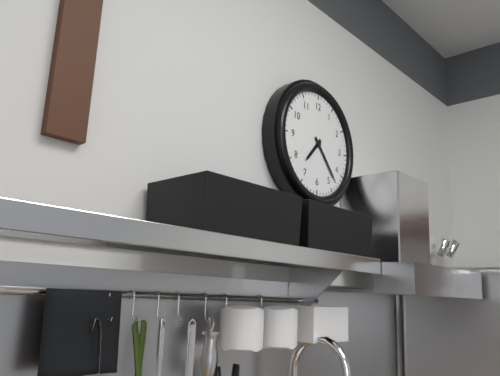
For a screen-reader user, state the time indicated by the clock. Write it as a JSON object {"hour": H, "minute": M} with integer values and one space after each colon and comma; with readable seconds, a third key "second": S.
{"hour": 7, "minute": 23}
